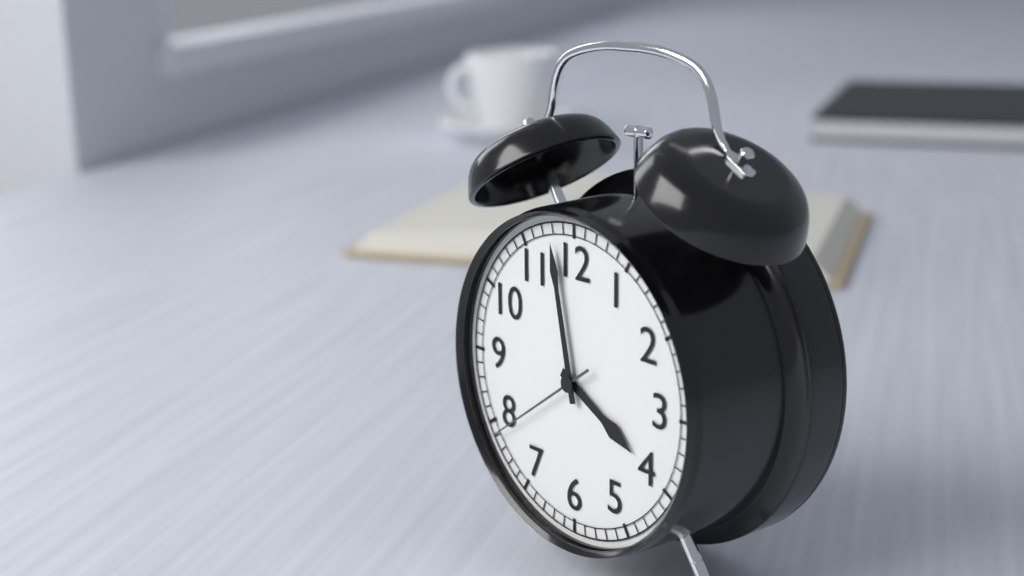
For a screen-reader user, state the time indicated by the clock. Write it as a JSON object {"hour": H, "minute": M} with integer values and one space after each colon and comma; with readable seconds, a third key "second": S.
{"hour": 3, "minute": 58, "second": 39}
